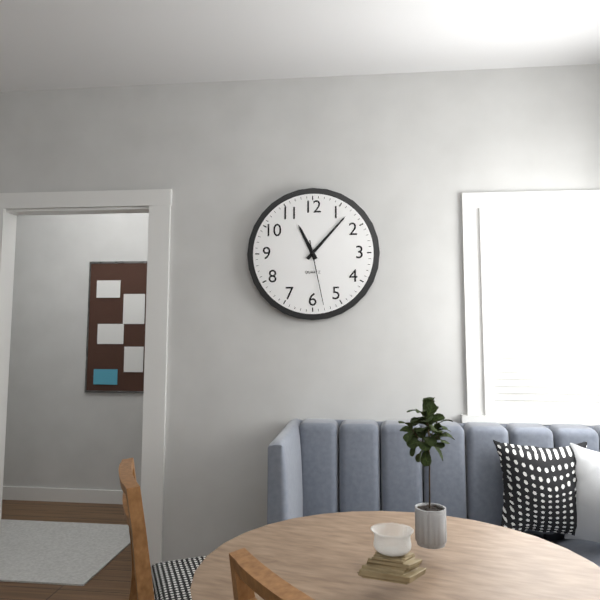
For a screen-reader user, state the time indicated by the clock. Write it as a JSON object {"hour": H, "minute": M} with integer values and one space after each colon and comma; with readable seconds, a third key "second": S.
{"hour": 11, "minute": 7, "second": 28}
